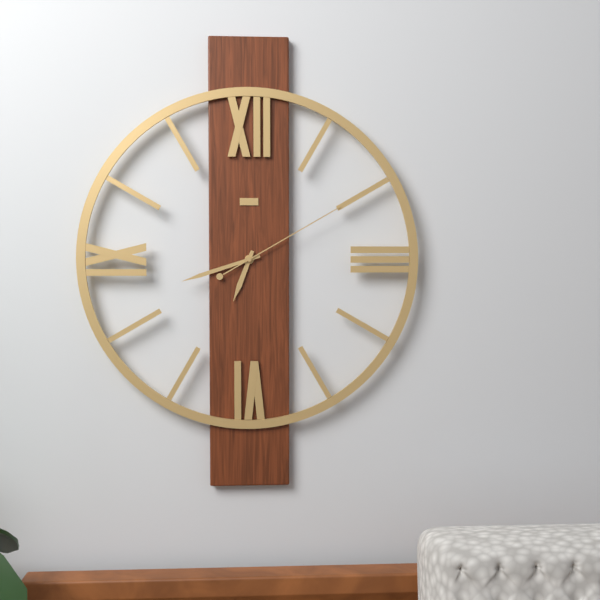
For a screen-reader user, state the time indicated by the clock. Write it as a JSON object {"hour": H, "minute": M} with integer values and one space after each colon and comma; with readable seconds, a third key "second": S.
{"hour": 6, "minute": 42, "second": 10}
